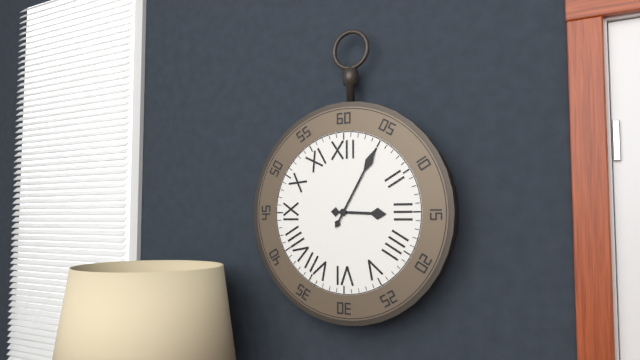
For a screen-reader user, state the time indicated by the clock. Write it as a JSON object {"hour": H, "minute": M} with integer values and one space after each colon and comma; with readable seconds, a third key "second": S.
{"hour": 3, "minute": 5}
